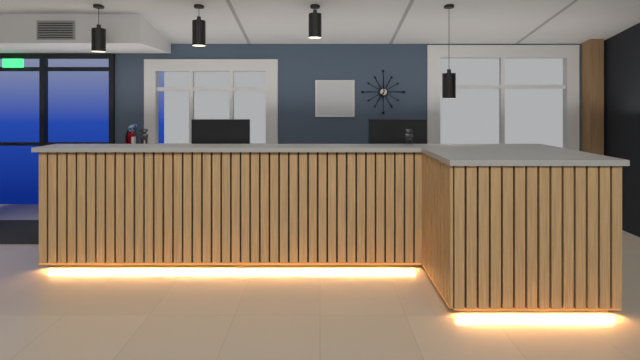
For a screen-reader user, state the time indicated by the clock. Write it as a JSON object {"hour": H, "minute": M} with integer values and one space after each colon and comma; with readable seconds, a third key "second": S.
{"hour": 7, "minute": 0}
